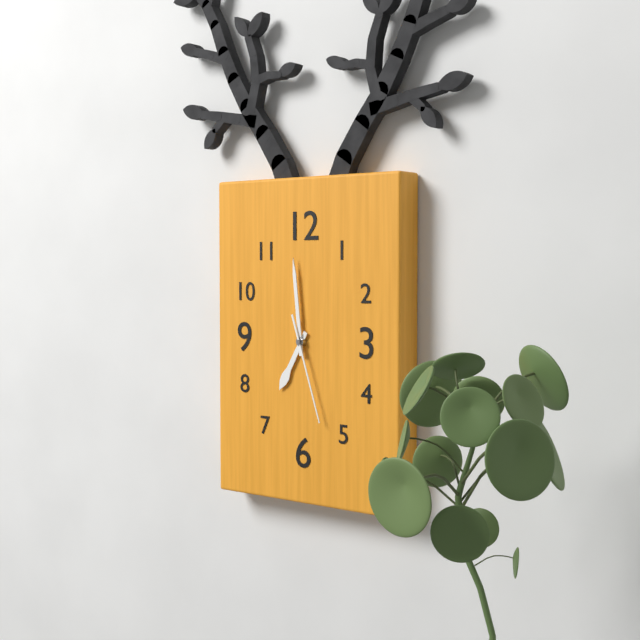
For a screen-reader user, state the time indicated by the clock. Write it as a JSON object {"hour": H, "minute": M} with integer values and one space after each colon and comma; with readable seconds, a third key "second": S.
{"hour": 6, "minute": 59, "second": 27}
